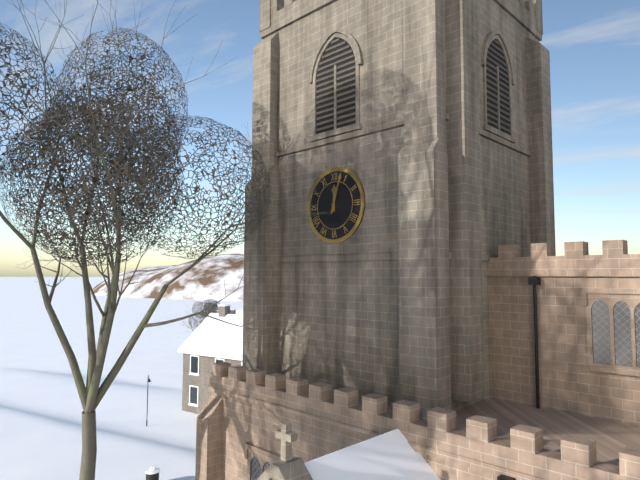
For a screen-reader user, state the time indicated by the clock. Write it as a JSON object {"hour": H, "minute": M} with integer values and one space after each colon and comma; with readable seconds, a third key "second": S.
{"hour": 12, "minute": 3}
